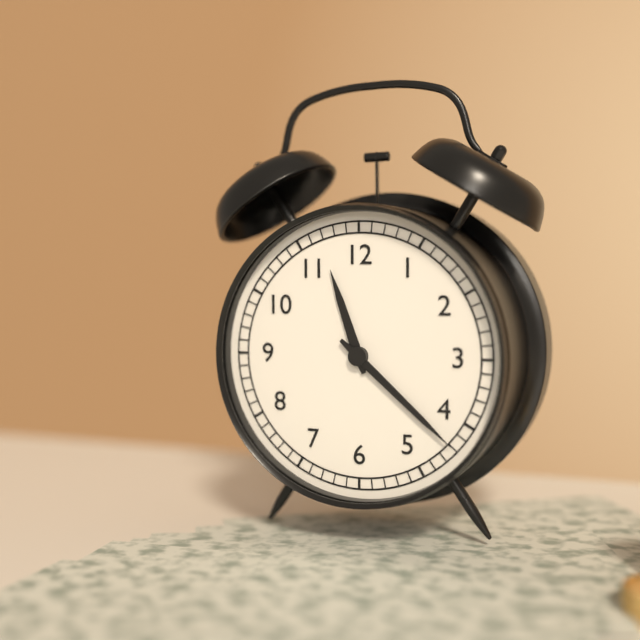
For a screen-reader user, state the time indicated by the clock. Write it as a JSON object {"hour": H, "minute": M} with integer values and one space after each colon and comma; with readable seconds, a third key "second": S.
{"hour": 11, "minute": 22}
